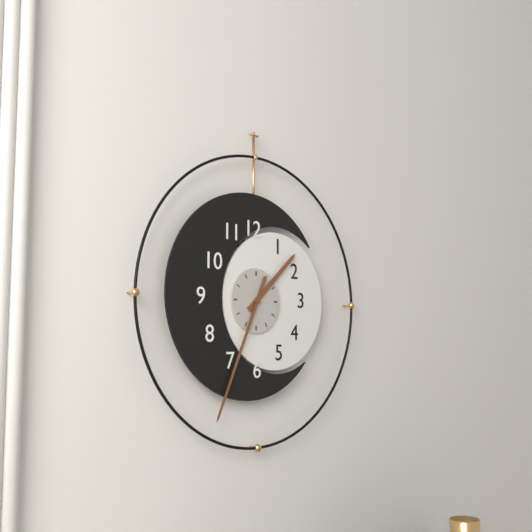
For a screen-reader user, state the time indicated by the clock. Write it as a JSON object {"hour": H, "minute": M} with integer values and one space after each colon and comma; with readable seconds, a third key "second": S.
{"hour": 1, "minute": 34}
